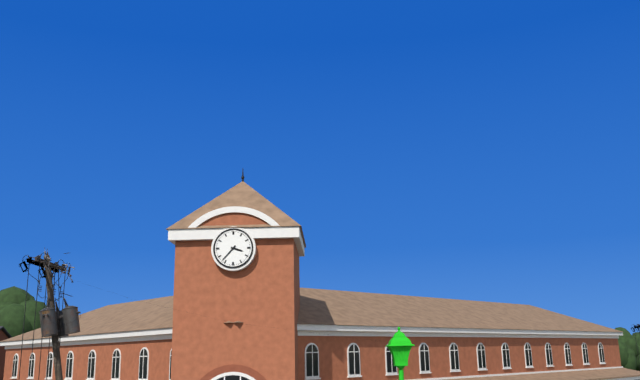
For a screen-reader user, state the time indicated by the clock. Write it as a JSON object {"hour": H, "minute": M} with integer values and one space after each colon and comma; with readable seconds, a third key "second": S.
{"hour": 3, "minute": 37}
